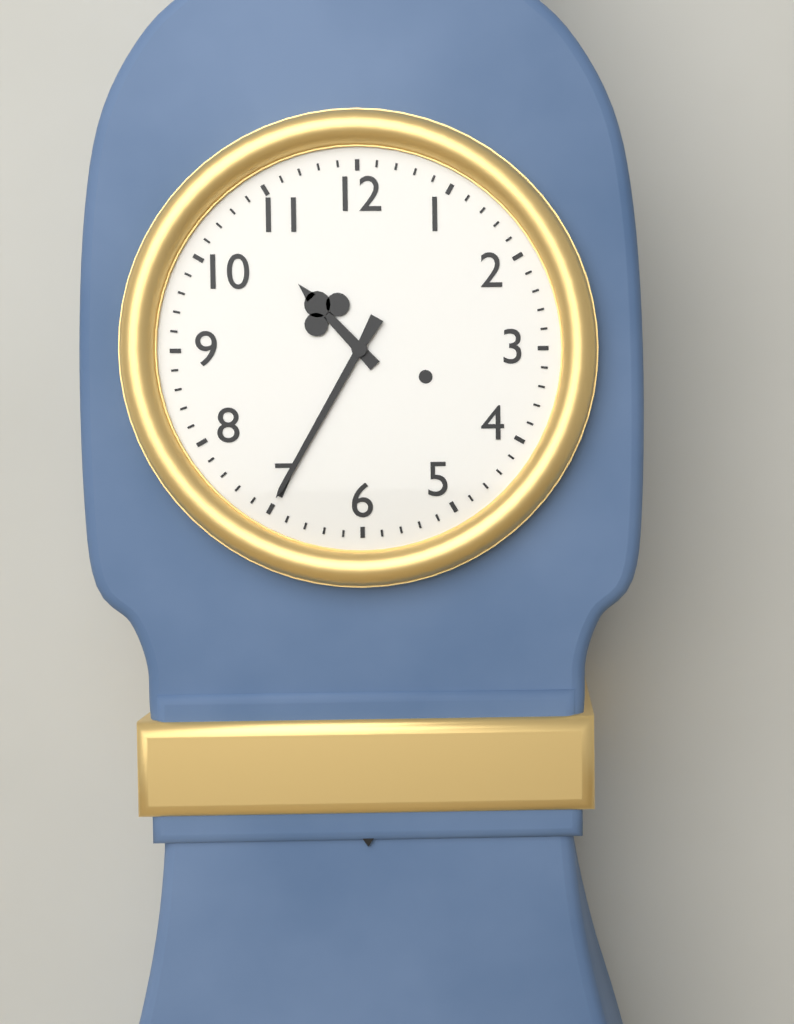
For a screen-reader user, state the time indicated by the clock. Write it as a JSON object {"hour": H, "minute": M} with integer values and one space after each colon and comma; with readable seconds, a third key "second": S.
{"hour": 10, "minute": 35}
